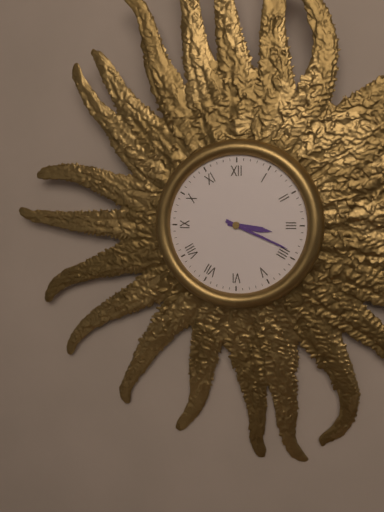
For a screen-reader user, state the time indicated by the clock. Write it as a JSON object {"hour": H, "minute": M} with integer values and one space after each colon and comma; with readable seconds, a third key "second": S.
{"hour": 3, "minute": 19}
